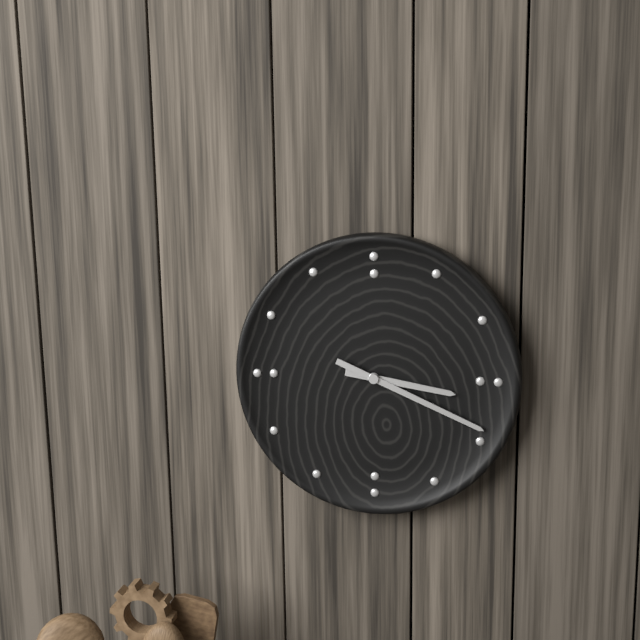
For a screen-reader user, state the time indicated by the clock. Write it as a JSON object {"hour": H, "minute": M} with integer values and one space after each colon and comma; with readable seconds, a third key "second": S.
{"hour": 3, "minute": 19}
